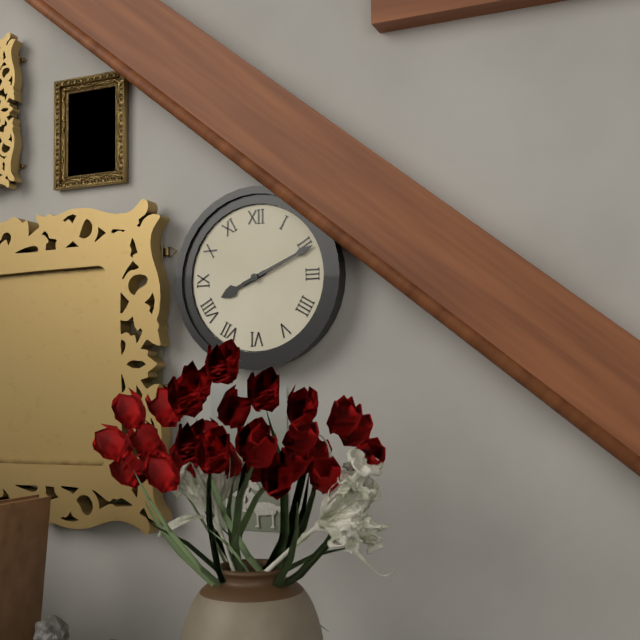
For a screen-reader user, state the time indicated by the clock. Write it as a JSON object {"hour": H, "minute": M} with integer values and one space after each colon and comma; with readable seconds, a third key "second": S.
{"hour": 8, "minute": 11}
